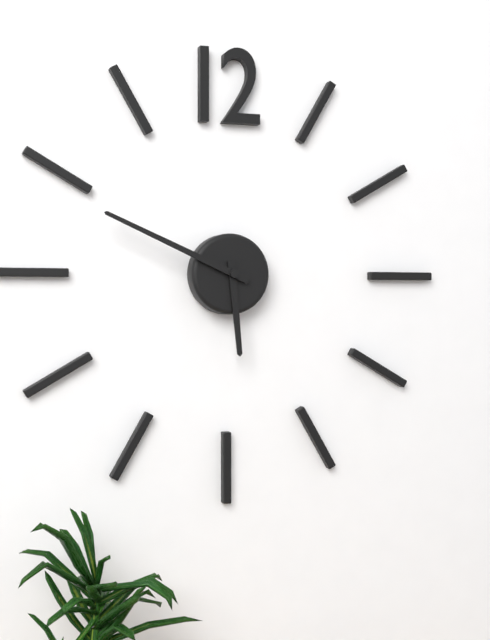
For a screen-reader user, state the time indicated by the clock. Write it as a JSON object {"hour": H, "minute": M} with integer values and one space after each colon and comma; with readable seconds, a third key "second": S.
{"hour": 5, "minute": 49}
